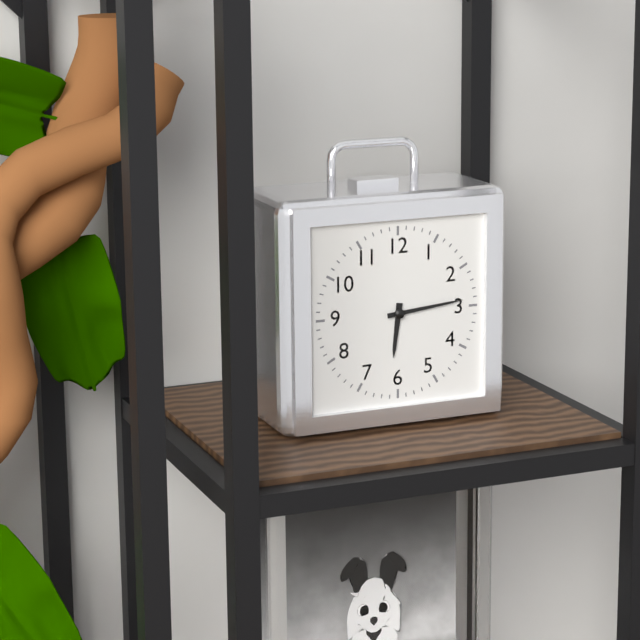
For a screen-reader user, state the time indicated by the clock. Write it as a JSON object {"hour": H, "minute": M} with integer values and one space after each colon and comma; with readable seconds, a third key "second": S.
{"hour": 6, "minute": 14}
